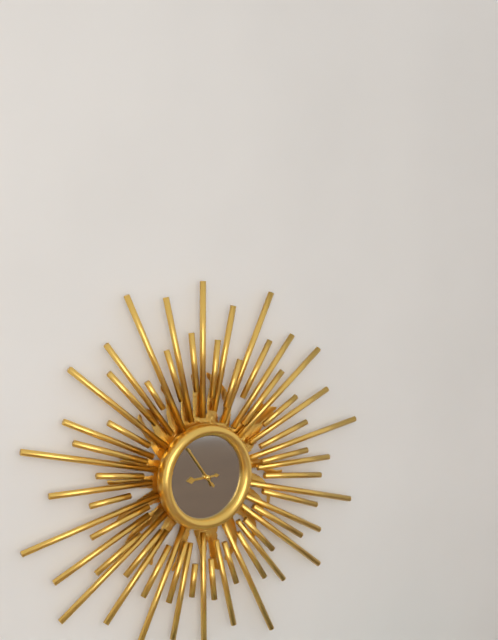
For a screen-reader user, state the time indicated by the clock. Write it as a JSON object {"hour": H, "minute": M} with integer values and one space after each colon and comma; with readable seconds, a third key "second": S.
{"hour": 8, "minute": 54}
